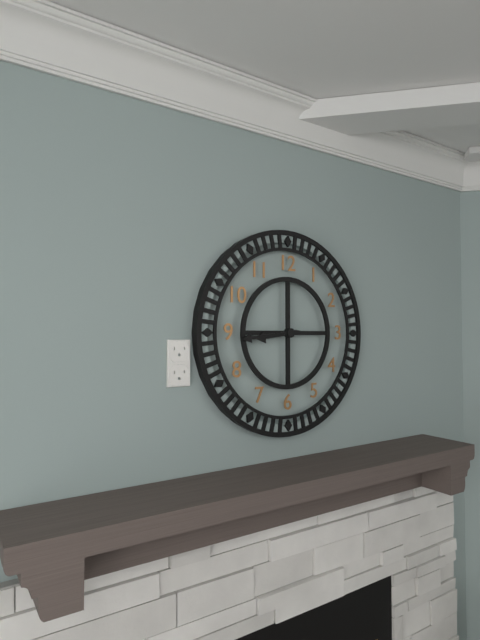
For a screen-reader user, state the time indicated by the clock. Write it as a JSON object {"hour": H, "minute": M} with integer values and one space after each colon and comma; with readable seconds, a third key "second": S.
{"hour": 8, "minute": 44}
